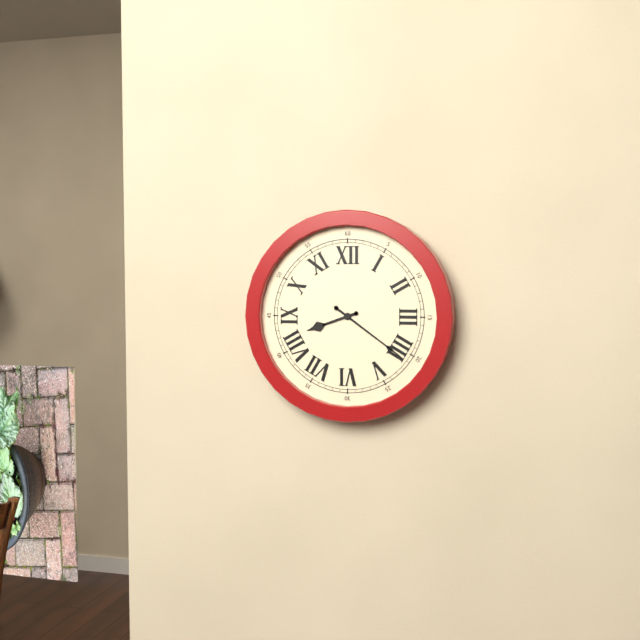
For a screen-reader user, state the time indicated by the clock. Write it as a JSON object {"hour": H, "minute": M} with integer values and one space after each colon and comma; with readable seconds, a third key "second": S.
{"hour": 8, "minute": 21}
